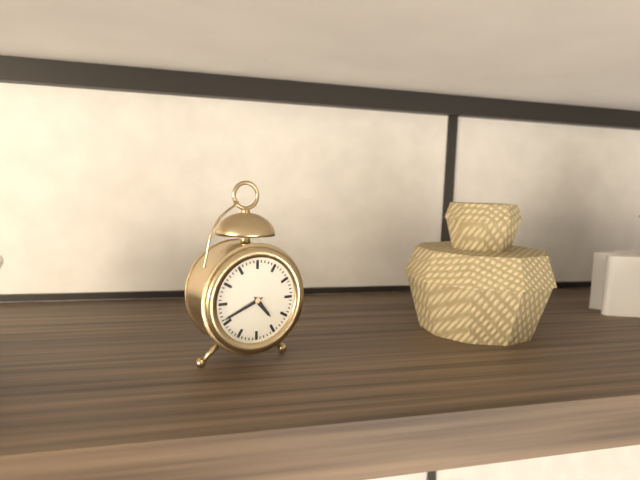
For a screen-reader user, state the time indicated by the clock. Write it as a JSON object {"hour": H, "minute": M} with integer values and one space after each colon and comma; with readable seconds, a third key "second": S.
{"hour": 4, "minute": 41}
